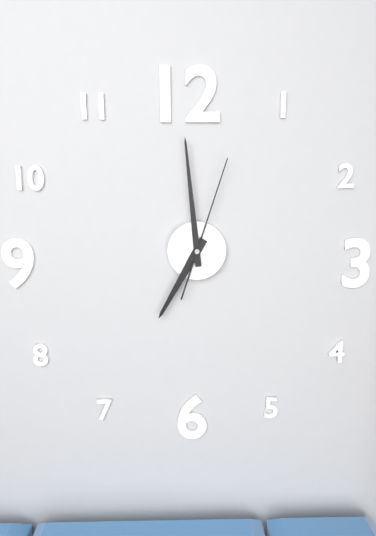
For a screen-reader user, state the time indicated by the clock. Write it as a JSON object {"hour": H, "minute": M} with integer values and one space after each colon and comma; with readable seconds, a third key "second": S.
{"hour": 6, "minute": 59, "second": 3}
